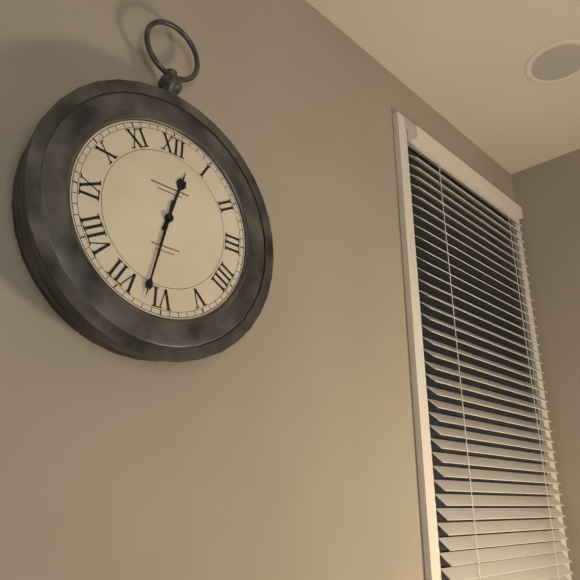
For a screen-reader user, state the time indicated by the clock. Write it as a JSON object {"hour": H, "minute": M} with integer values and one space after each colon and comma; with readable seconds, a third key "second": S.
{"hour": 12, "minute": 32}
